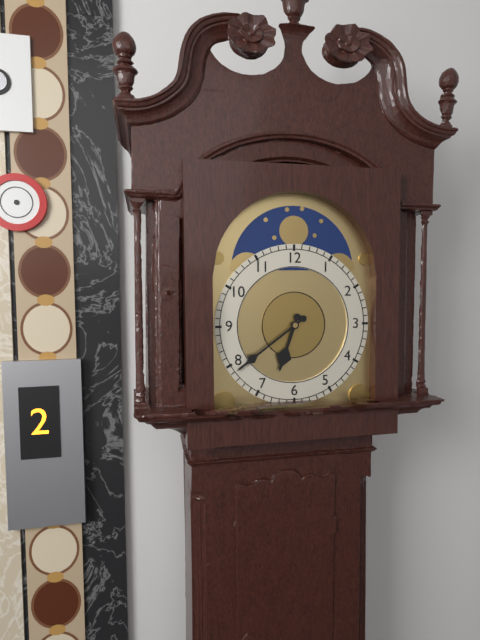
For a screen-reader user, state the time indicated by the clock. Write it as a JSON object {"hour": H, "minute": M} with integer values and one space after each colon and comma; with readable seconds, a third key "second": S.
{"hour": 6, "minute": 39}
